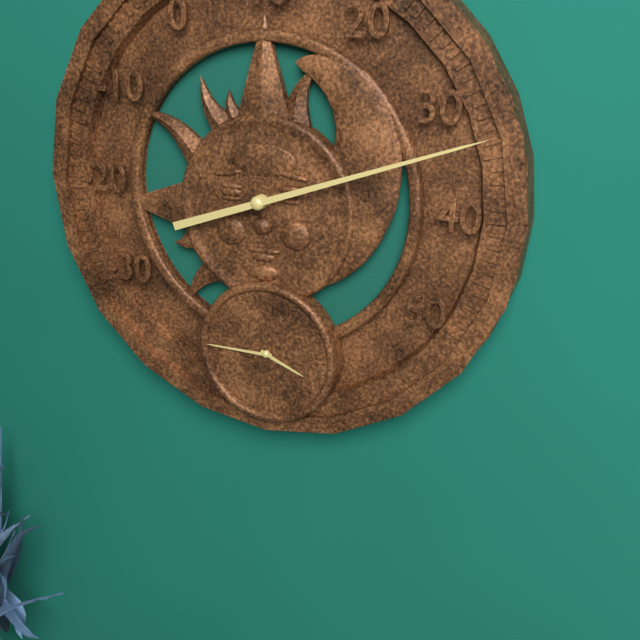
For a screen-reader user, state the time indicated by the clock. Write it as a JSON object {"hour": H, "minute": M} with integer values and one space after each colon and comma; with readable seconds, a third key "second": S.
{"hour": 3, "minute": 45}
